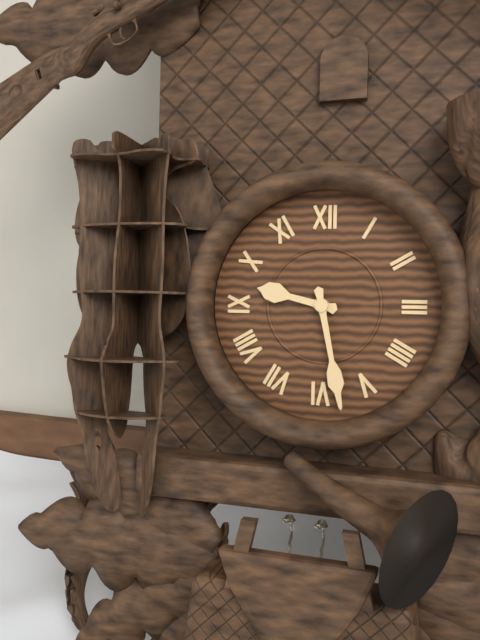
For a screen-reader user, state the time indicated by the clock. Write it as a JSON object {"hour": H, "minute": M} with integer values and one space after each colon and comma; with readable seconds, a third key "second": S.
{"hour": 9, "minute": 28}
